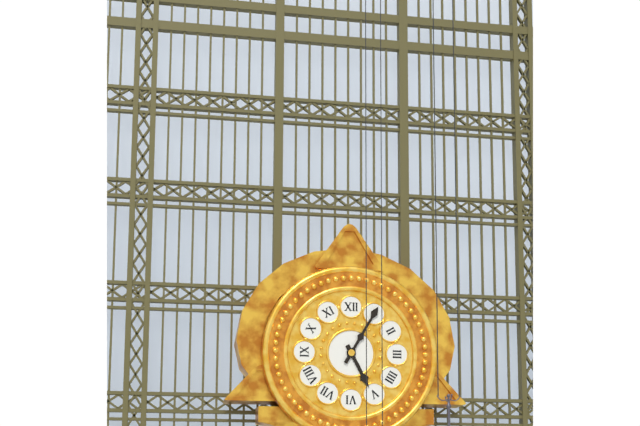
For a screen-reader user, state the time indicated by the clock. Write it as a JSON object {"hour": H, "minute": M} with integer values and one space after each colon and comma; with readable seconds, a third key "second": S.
{"hour": 5, "minute": 5}
